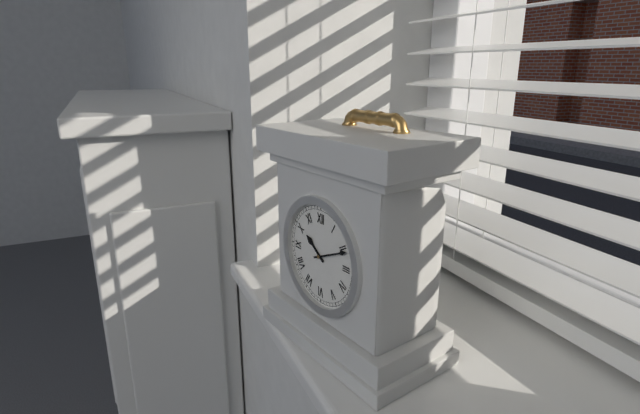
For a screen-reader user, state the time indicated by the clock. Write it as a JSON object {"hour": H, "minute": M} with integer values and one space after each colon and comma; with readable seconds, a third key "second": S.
{"hour": 10, "minute": 11}
